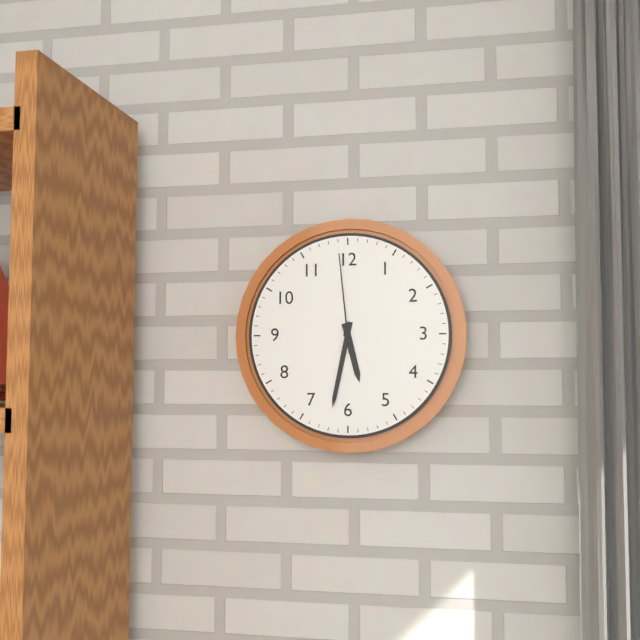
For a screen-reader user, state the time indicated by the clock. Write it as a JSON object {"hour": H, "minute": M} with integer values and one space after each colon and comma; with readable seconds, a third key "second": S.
{"hour": 5, "minute": 32, "second": 59}
